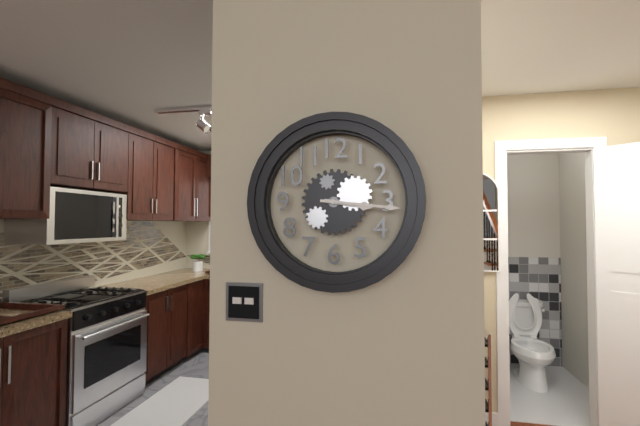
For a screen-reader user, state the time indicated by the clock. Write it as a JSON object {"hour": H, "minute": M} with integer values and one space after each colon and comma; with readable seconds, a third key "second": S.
{"hour": 3, "minute": 16}
